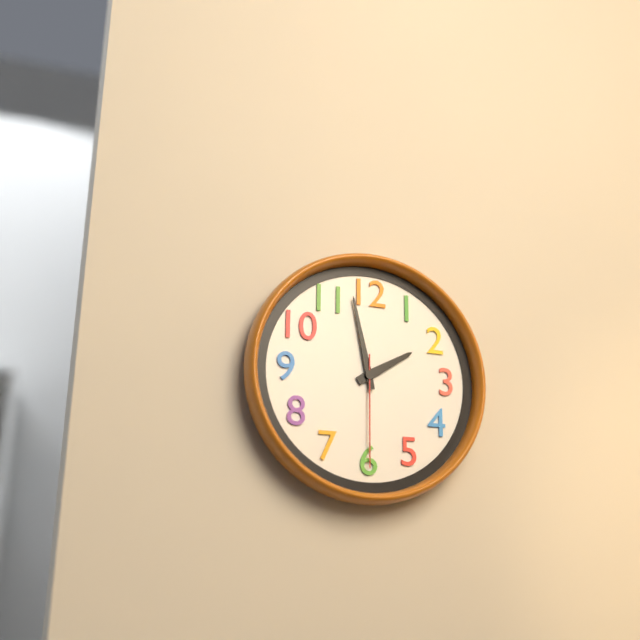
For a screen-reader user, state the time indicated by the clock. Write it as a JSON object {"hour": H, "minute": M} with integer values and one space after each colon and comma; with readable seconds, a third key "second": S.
{"hour": 1, "minute": 58, "second": 30}
